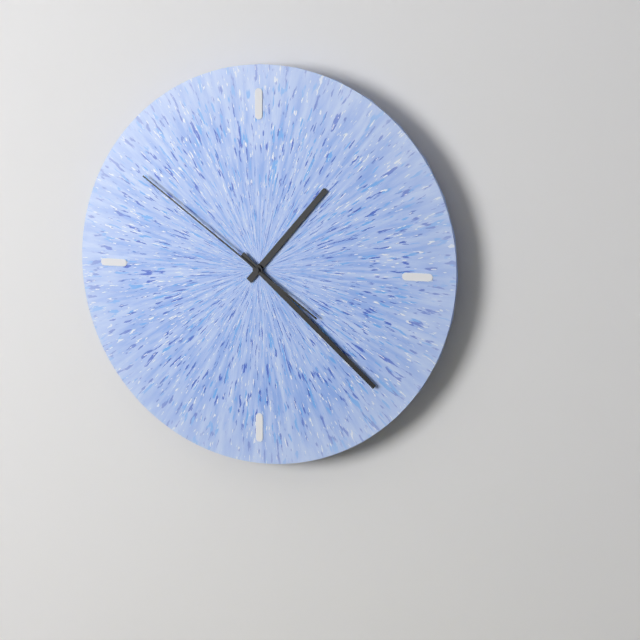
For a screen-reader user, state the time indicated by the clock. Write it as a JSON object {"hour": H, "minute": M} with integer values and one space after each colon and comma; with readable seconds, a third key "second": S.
{"hour": 1, "minute": 22, "second": 51}
